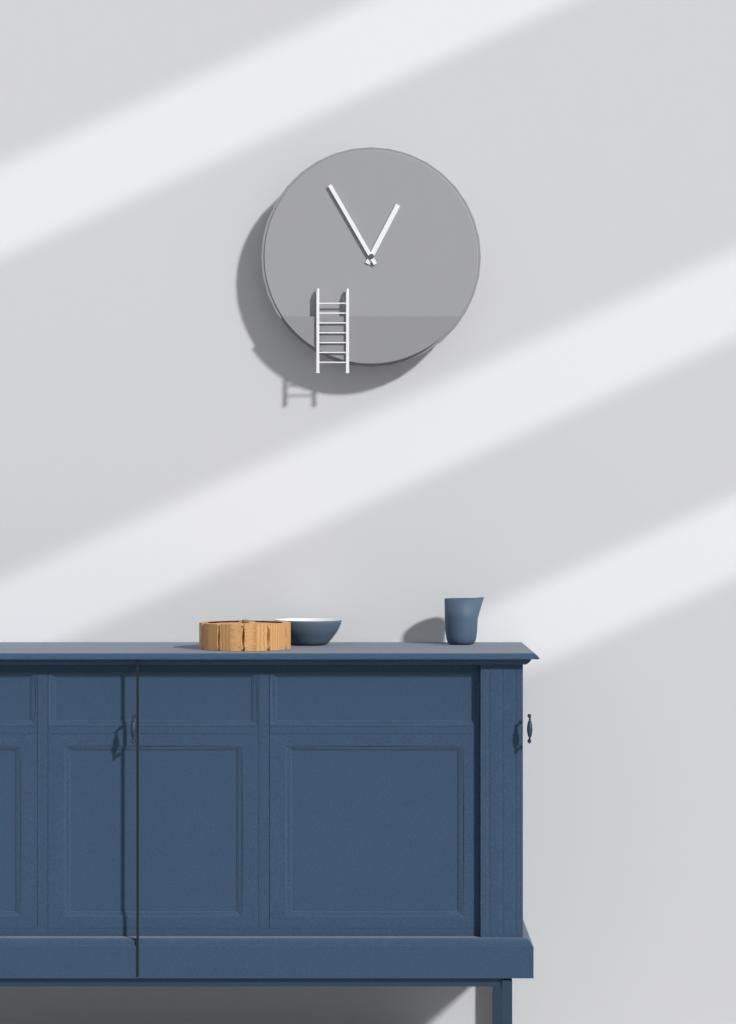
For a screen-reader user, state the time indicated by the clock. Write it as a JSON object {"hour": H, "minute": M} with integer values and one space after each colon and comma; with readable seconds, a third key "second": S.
{"hour": 12, "minute": 55}
